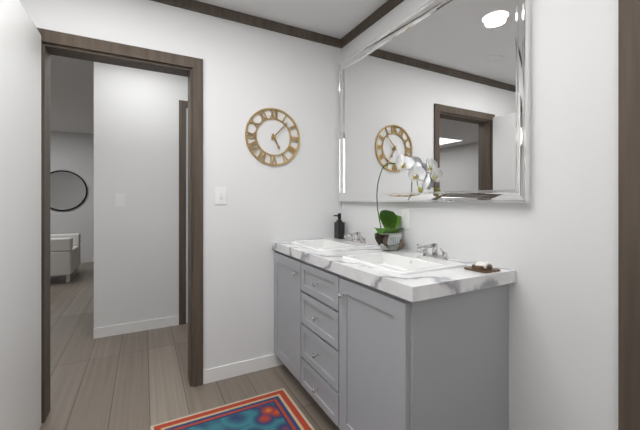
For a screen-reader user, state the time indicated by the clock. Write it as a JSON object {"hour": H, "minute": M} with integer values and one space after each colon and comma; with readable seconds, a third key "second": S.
{"hour": 5, "minute": 7}
